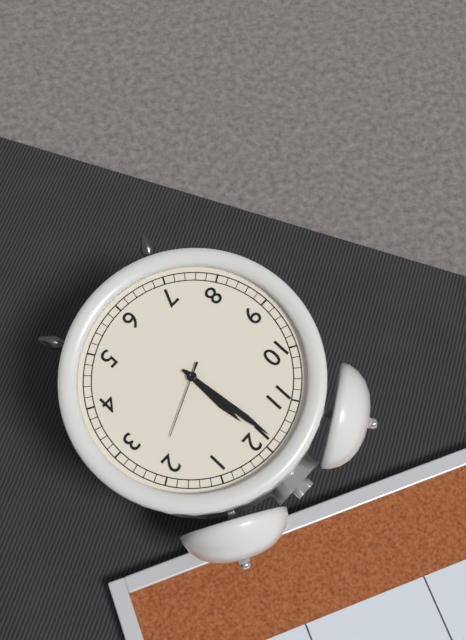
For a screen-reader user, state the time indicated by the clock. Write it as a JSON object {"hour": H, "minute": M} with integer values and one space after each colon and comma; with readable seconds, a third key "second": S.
{"hour": 11, "minute": 59, "second": 11}
